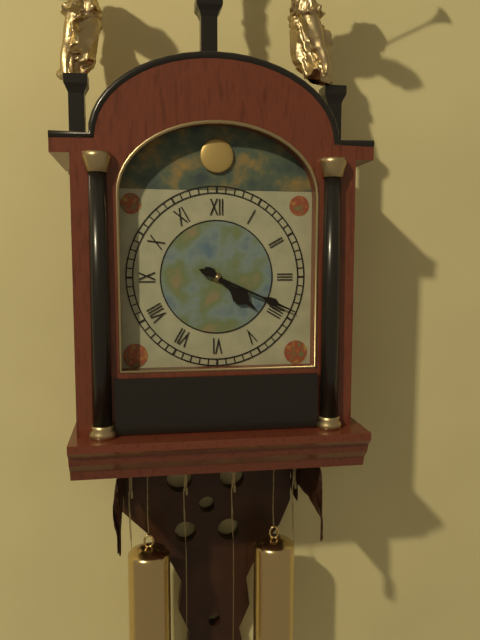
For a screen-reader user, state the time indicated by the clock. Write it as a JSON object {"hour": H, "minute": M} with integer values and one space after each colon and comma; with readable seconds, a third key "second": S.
{"hour": 4, "minute": 19}
